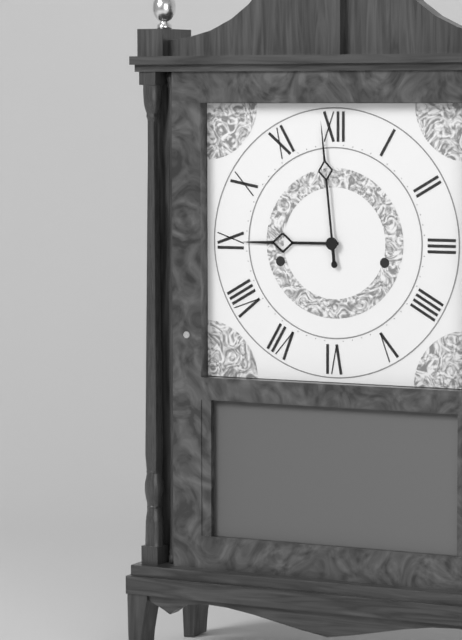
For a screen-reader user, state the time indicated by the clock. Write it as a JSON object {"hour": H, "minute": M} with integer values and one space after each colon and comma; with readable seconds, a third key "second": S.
{"hour": 8, "minute": 59}
